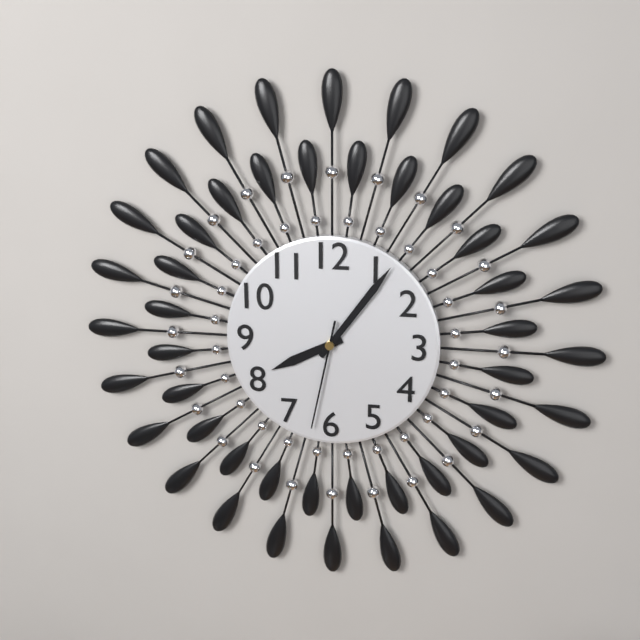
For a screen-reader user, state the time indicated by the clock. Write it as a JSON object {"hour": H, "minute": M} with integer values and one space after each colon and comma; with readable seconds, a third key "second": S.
{"hour": 8, "minute": 6, "second": 32}
